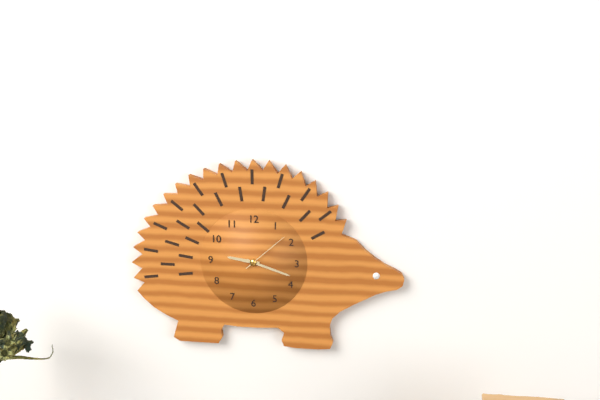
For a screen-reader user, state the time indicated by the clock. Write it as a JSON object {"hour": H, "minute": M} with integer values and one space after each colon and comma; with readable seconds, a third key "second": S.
{"hour": 9, "minute": 18, "second": 8}
